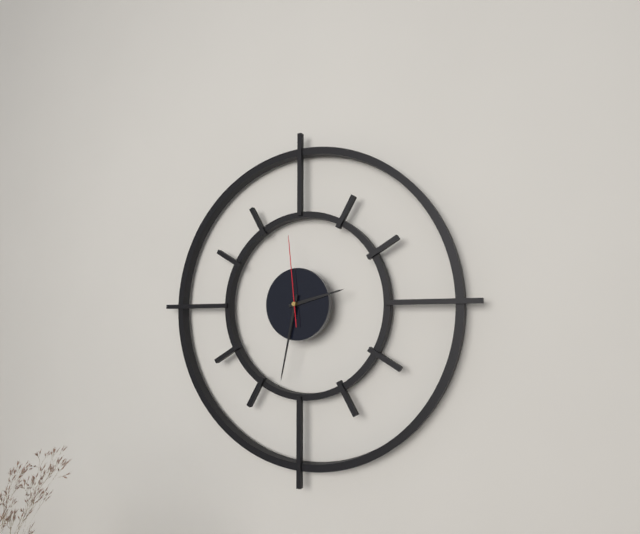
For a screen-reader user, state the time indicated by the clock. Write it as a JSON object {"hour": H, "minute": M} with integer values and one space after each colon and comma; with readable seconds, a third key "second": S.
{"hour": 2, "minute": 32, "second": 59}
